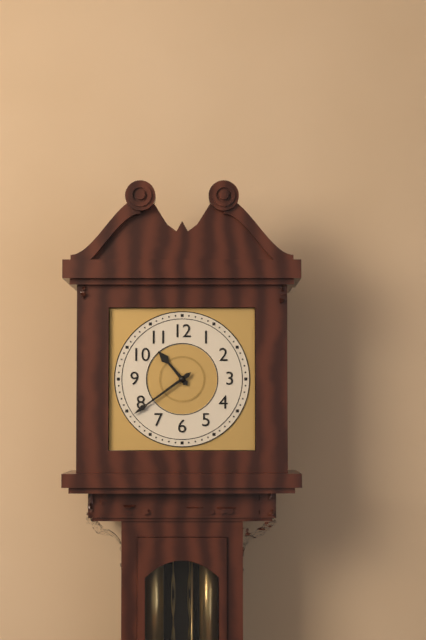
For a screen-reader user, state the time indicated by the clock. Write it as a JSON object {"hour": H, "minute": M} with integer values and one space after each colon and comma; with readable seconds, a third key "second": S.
{"hour": 10, "minute": 39}
